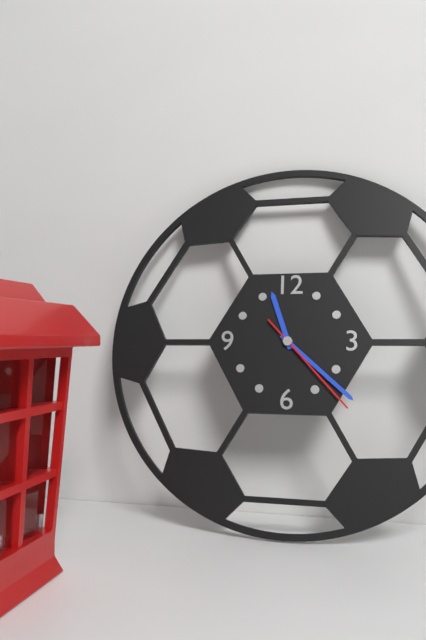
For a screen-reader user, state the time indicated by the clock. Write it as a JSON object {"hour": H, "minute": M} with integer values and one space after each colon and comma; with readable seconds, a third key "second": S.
{"hour": 11, "minute": 22, "second": 23}
